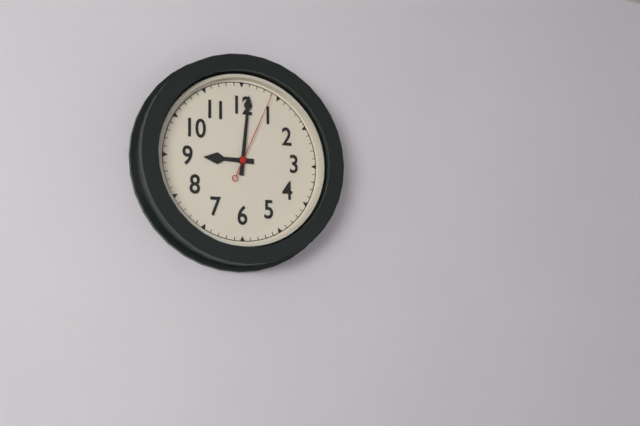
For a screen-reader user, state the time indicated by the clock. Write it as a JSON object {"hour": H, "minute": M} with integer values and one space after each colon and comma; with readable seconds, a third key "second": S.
{"hour": 9, "minute": 1, "second": 4}
